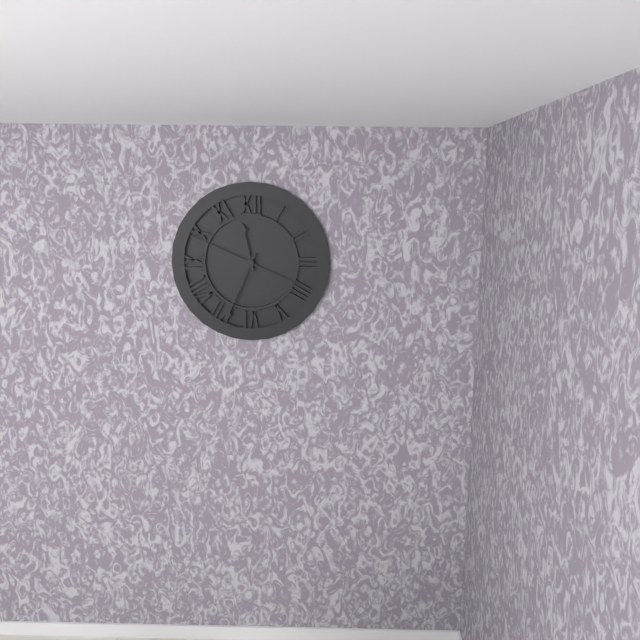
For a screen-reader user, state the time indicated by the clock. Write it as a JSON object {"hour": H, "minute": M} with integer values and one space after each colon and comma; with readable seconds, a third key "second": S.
{"hour": 11, "minute": 34, "second": 49}
